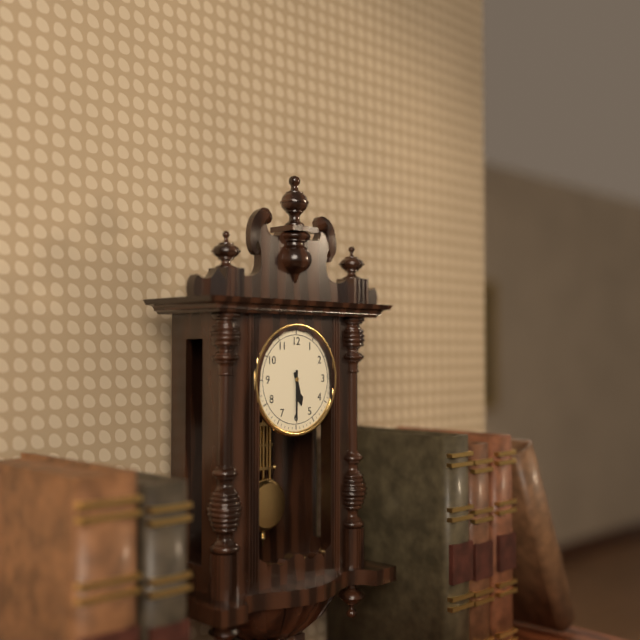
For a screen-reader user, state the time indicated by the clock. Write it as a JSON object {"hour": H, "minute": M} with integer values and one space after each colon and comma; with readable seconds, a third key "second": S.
{"hour": 5, "minute": 30}
